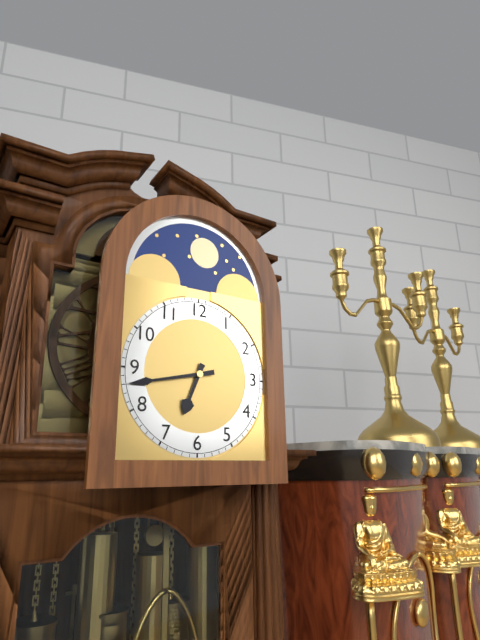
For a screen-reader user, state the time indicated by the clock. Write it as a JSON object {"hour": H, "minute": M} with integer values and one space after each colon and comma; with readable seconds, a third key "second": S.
{"hour": 6, "minute": 43}
